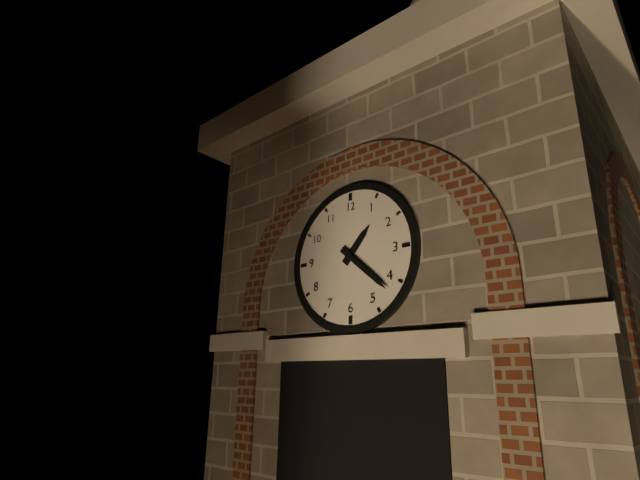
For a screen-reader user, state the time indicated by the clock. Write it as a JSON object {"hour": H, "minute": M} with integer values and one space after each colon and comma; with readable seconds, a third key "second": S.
{"hour": 1, "minute": 22}
